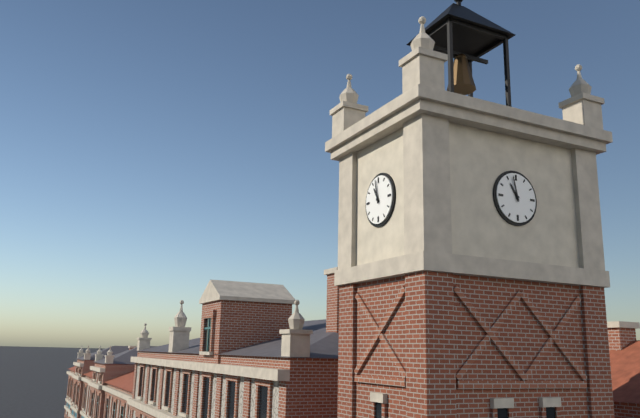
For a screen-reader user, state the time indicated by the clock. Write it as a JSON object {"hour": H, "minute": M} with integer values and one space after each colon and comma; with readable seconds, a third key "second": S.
{"hour": 10, "minute": 58}
